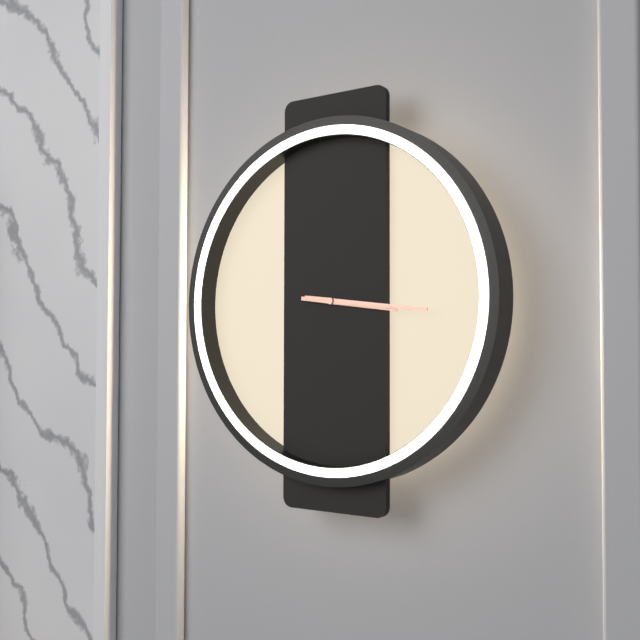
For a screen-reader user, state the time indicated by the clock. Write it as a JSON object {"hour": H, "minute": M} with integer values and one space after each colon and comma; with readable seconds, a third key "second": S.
{"hour": 3, "minute": 16}
